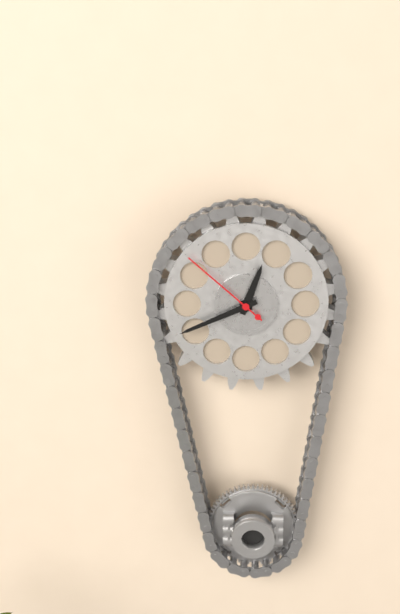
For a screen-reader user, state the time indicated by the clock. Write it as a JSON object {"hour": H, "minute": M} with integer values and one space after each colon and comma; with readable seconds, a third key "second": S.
{"hour": 12, "minute": 41, "second": 52}
